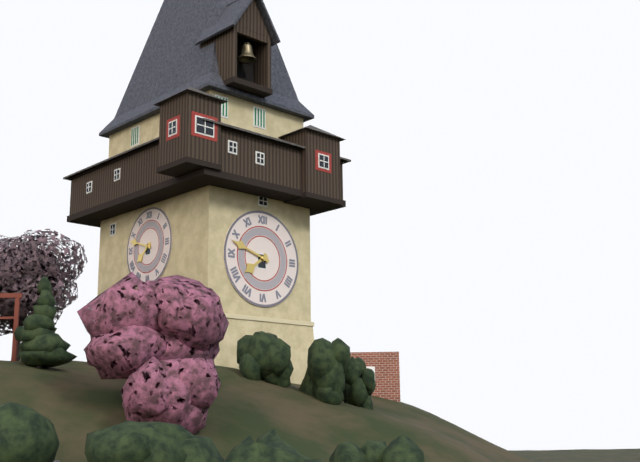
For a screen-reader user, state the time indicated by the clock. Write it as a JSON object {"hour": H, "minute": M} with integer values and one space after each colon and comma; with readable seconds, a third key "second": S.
{"hour": 7, "minute": 48}
